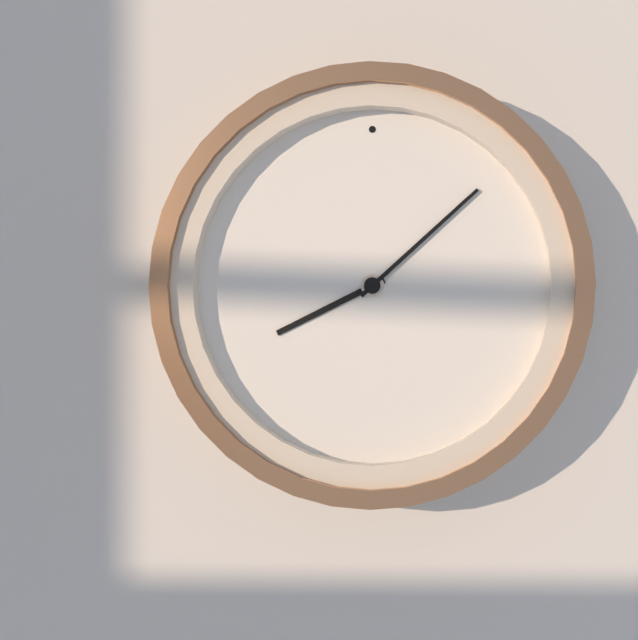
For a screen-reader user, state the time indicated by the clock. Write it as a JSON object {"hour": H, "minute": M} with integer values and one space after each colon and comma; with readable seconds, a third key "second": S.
{"hour": 8, "minute": 8}
